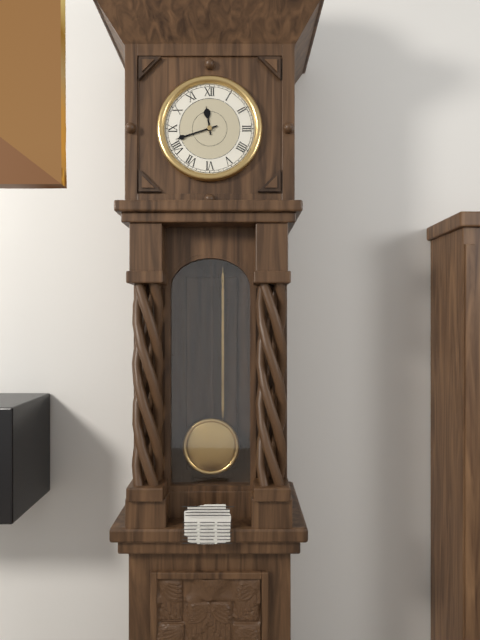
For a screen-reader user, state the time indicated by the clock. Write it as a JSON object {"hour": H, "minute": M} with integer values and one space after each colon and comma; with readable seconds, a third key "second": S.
{"hour": 11, "minute": 42}
